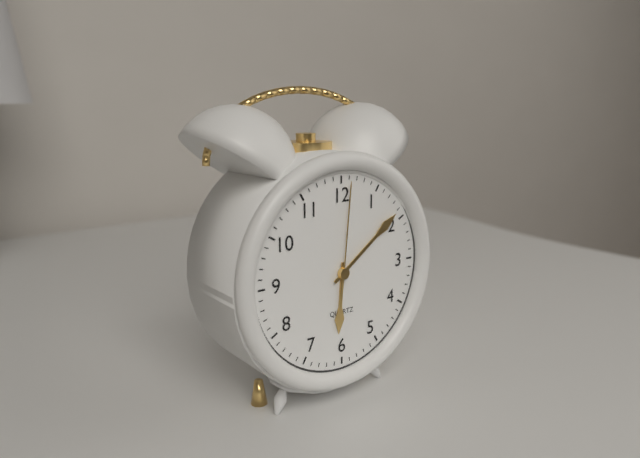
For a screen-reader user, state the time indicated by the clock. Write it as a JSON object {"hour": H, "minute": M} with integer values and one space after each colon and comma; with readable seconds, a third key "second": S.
{"hour": 6, "minute": 9, "second": 1}
